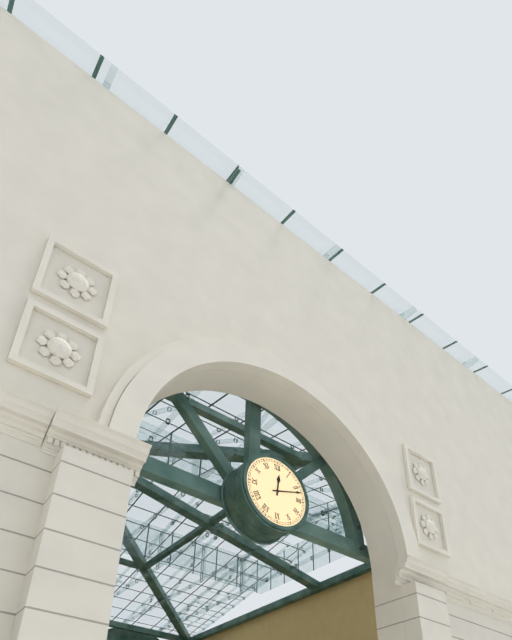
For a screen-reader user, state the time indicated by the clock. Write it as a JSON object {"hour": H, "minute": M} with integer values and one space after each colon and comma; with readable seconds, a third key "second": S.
{"hour": 12, "minute": 12}
